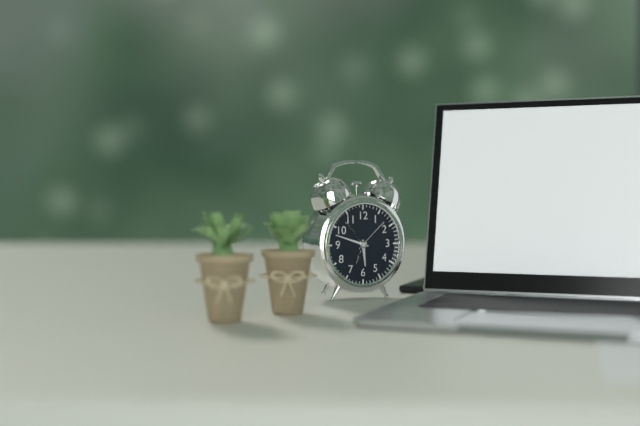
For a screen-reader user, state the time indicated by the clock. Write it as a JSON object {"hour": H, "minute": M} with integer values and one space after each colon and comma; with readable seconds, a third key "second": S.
{"hour": 5, "minute": 48}
